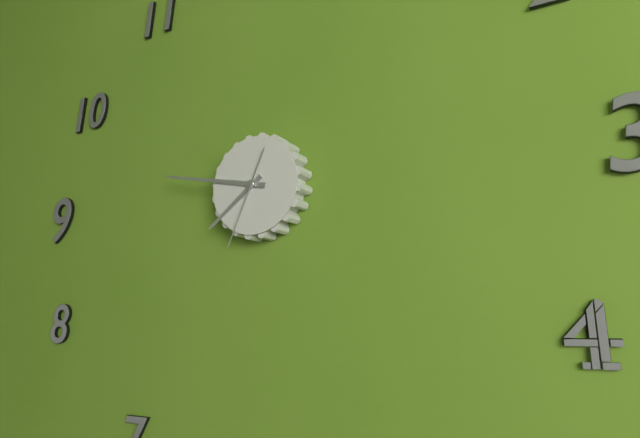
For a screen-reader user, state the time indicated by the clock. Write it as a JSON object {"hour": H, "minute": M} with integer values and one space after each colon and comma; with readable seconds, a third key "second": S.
{"hour": 7, "minute": 47, "second": 34}
